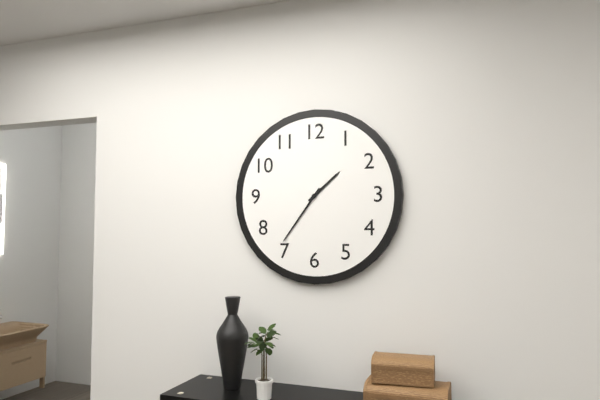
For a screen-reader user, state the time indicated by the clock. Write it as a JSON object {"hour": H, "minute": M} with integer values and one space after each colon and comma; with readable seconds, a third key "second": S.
{"hour": 1, "minute": 36}
